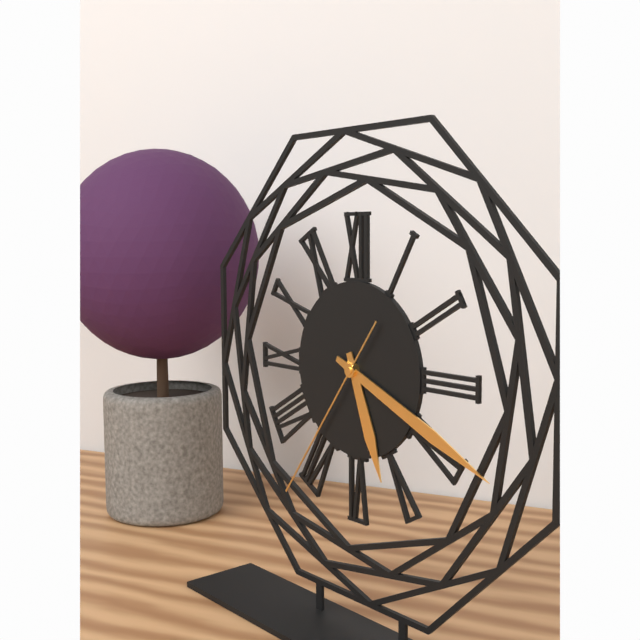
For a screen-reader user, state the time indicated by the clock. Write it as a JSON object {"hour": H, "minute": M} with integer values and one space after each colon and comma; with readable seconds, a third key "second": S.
{"hour": 5, "minute": 19, "second": 36}
